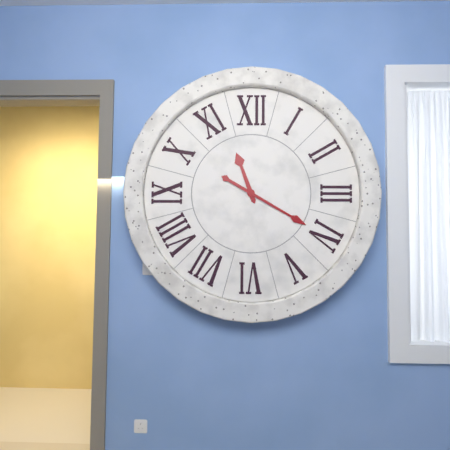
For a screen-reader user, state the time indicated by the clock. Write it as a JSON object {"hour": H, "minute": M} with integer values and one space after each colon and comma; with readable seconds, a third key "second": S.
{"hour": 11, "minute": 20}
